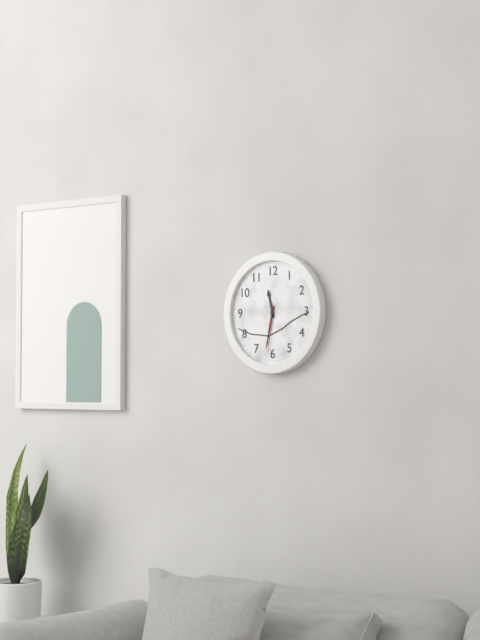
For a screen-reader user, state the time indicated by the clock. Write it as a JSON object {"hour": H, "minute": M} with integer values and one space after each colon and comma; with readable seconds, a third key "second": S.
{"hour": 11, "minute": 32}
